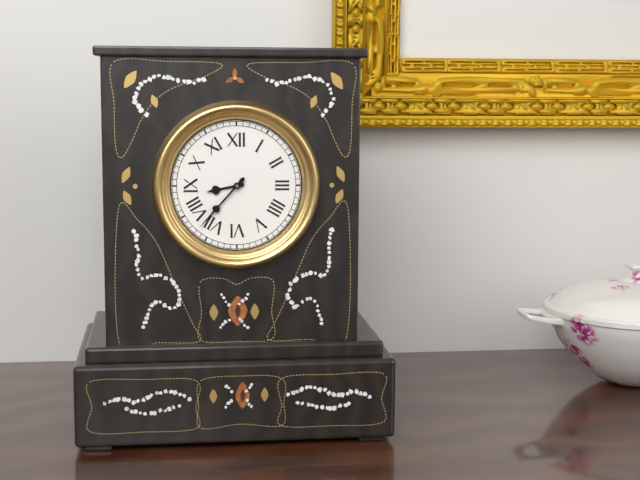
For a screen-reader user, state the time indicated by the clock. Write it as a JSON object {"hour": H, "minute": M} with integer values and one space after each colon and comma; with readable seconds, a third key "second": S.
{"hour": 8, "minute": 37}
